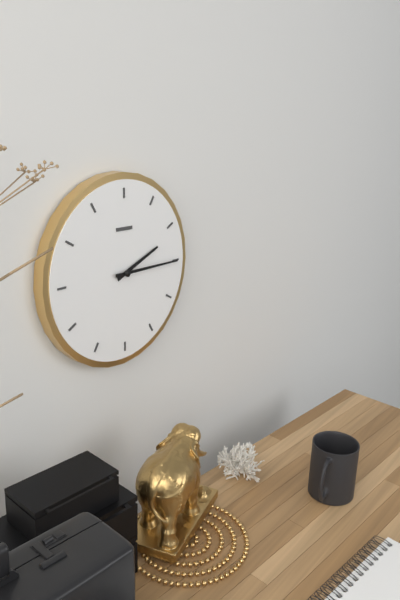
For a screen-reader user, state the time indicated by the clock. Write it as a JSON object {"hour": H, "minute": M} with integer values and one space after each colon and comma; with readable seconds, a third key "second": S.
{"hour": 2, "minute": 15}
